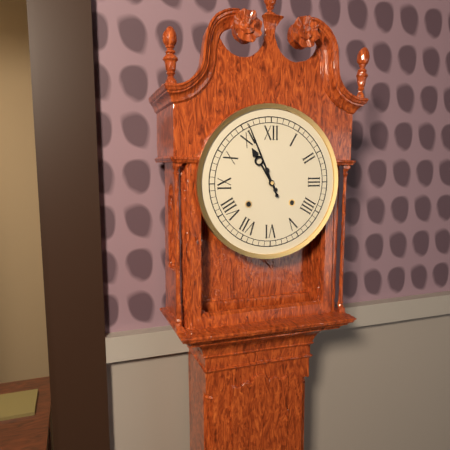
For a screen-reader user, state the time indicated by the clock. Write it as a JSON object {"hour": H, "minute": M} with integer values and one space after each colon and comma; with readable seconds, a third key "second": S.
{"hour": 10, "minute": 56}
